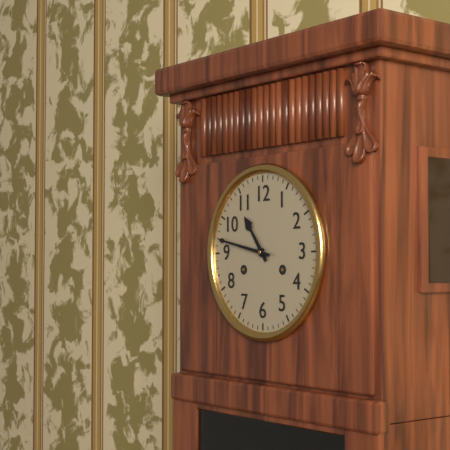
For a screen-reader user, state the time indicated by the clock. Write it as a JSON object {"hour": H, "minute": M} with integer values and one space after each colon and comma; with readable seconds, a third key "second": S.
{"hour": 10, "minute": 47}
